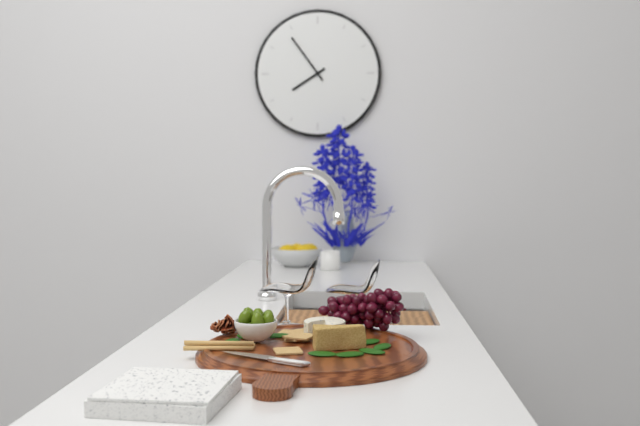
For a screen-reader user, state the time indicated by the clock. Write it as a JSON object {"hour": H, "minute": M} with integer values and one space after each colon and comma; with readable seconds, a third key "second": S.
{"hour": 7, "minute": 54}
